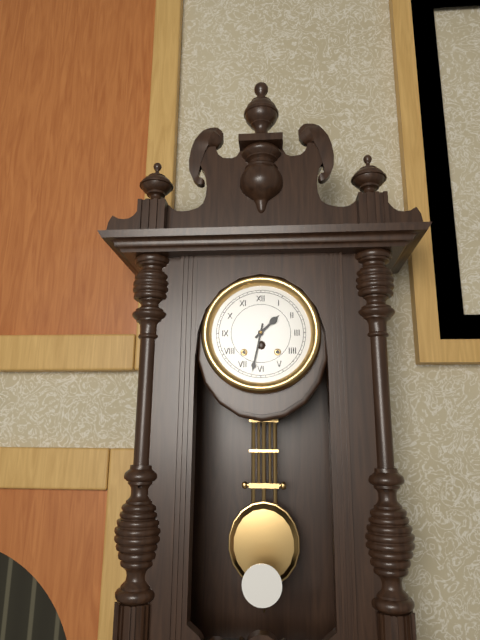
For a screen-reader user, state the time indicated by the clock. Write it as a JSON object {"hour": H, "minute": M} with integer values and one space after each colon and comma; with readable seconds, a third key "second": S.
{"hour": 1, "minute": 32}
